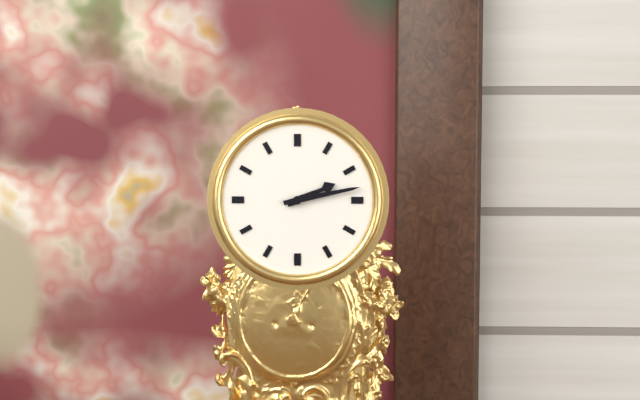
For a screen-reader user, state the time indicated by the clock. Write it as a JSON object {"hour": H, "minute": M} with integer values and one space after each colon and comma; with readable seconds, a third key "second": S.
{"hour": 2, "minute": 13}
